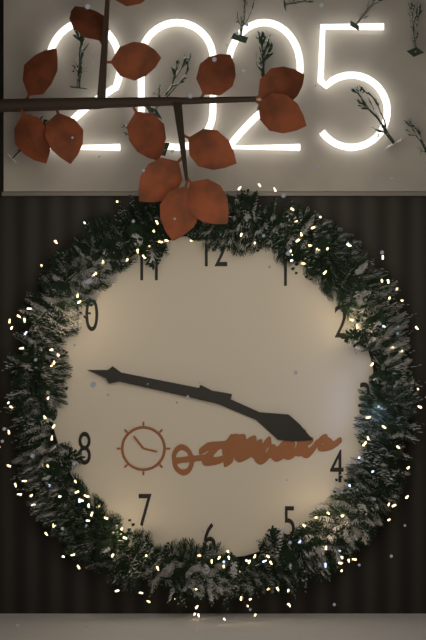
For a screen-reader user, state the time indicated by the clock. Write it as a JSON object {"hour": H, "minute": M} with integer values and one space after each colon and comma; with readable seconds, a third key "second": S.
{"hour": 3, "minute": 47}
